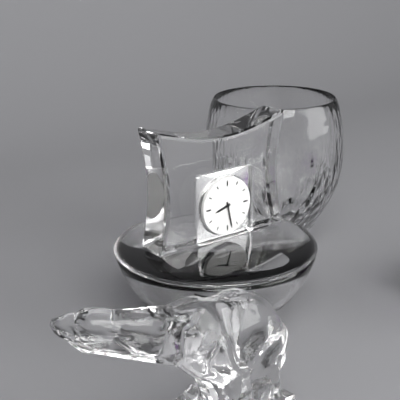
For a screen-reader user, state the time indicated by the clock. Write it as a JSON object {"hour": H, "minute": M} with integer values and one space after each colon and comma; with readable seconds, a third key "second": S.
{"hour": 8, "minute": 28}
